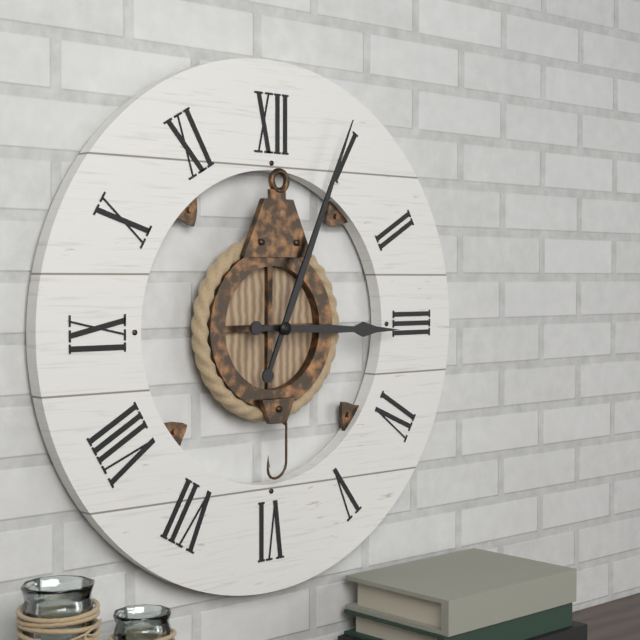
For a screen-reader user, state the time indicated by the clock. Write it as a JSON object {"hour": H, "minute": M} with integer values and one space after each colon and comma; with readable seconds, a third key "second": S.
{"hour": 3, "minute": 4}
